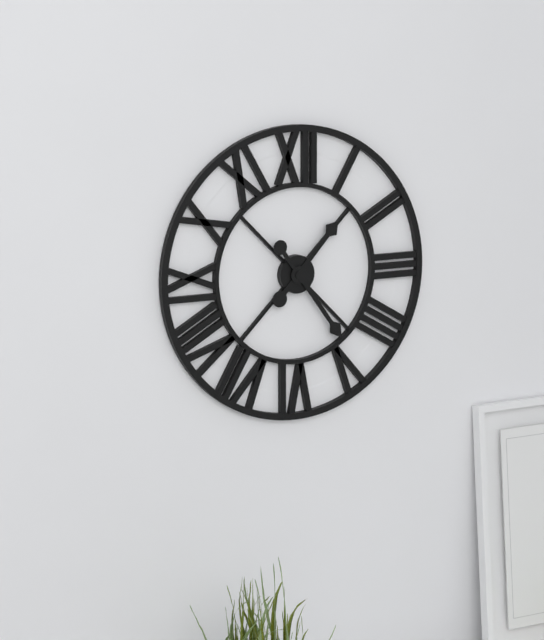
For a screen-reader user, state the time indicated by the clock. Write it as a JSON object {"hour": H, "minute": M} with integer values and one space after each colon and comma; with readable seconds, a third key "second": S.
{"hour": 1, "minute": 24}
